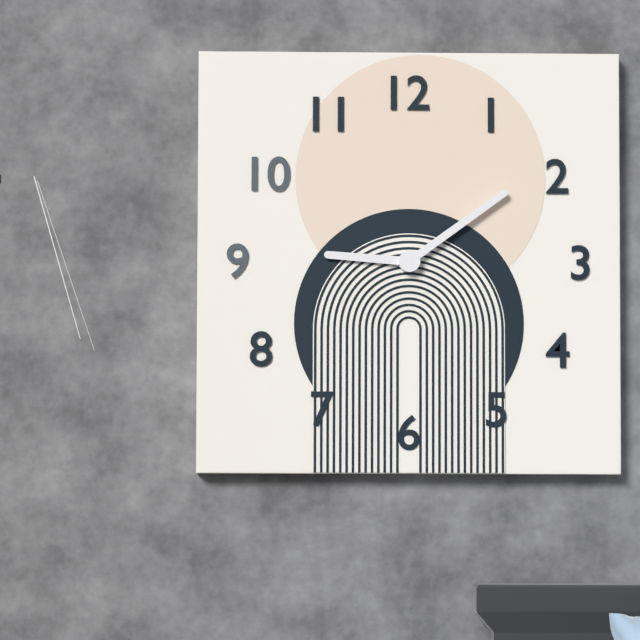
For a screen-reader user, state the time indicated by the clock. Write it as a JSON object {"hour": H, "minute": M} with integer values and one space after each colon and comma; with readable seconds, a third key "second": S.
{"hour": 9, "minute": 9}
